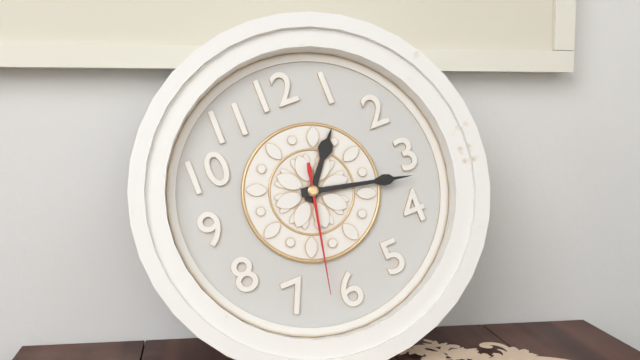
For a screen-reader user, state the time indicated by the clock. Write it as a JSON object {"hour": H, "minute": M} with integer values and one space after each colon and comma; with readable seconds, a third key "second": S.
{"hour": 1, "minute": 17, "second": 32}
